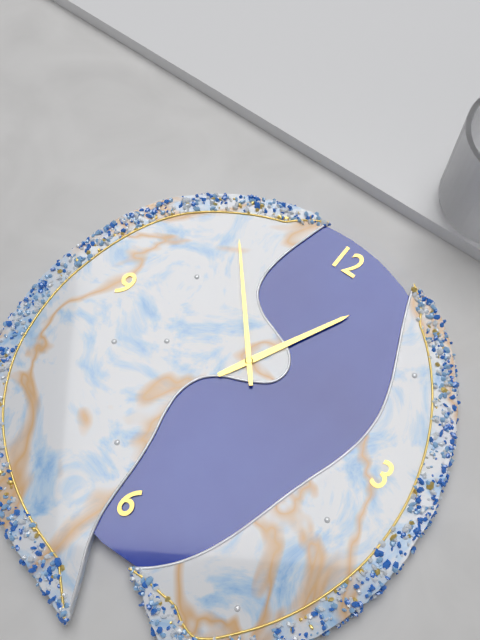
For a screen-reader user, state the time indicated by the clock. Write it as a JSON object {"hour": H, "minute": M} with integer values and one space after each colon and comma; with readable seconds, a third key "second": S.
{"hour": 12, "minute": 53}
